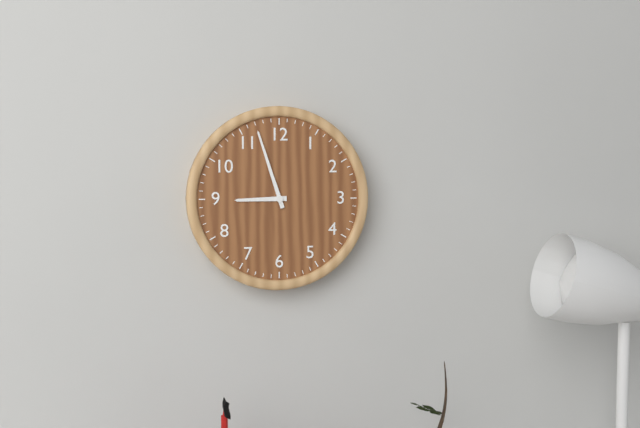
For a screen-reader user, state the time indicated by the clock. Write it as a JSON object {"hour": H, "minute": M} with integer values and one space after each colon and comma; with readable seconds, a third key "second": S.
{"hour": 8, "minute": 57}
